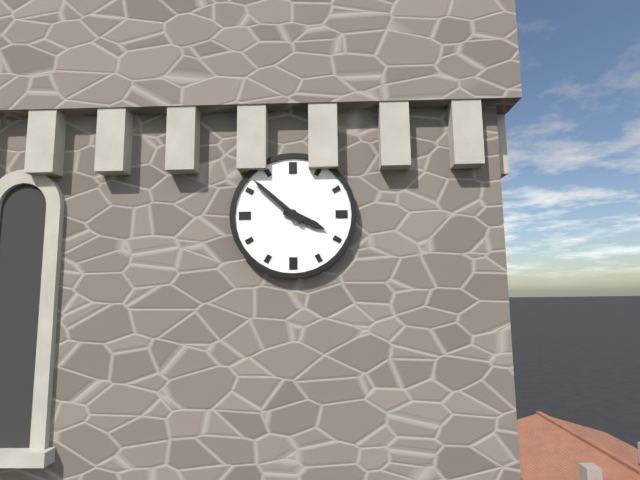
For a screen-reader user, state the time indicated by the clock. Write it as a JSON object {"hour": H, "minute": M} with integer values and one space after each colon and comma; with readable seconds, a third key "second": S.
{"hour": 3, "minute": 52}
